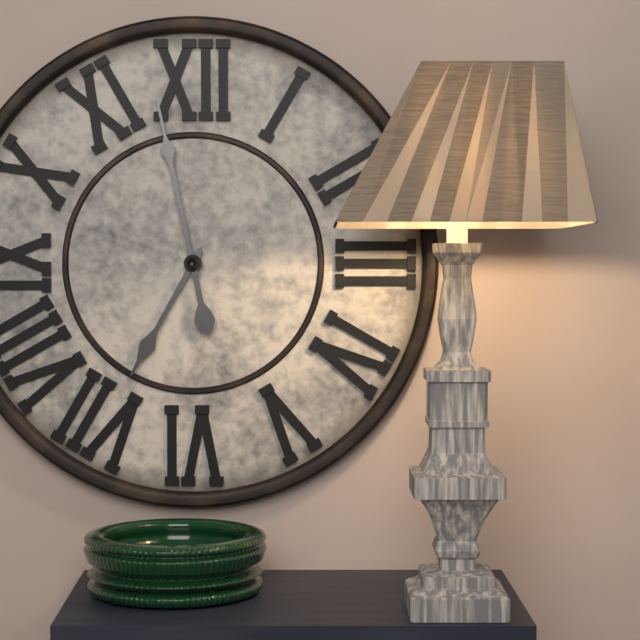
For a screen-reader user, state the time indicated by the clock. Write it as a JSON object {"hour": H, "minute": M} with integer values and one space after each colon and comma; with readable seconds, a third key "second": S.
{"hour": 6, "minute": 58}
